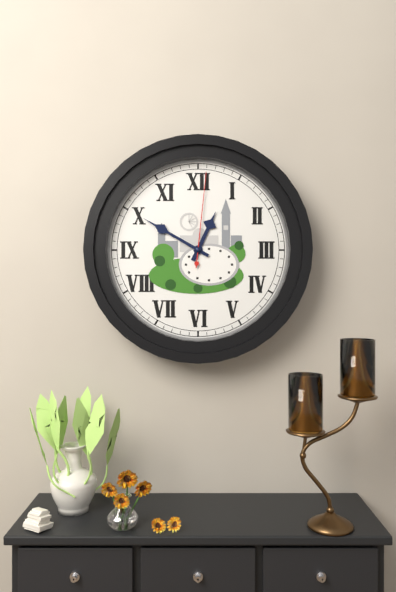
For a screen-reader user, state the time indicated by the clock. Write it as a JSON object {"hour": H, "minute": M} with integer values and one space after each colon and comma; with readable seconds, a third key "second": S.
{"hour": 12, "minute": 50, "second": 1}
